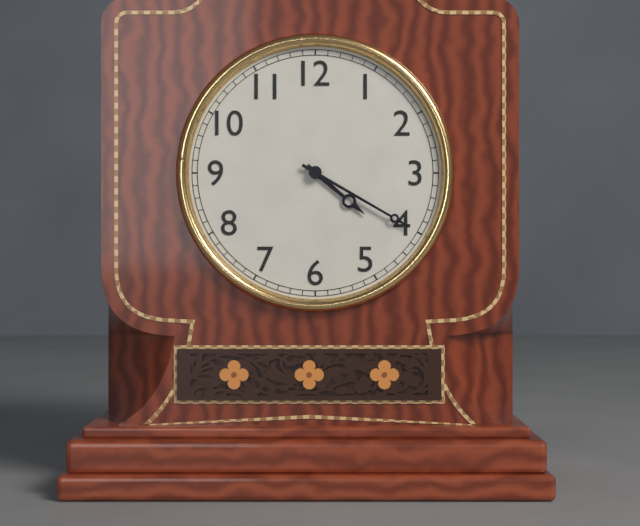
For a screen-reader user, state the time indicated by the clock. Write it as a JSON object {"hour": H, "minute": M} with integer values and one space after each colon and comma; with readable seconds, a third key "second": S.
{"hour": 4, "minute": 20}
